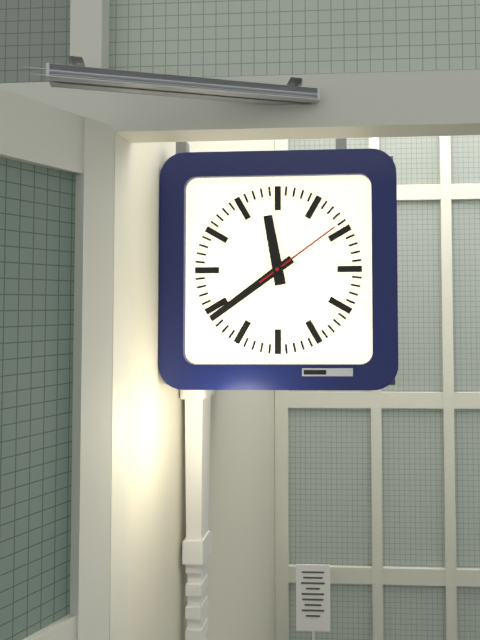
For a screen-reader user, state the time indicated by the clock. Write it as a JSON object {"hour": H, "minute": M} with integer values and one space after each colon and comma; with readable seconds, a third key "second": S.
{"hour": 11, "minute": 39, "second": 9}
